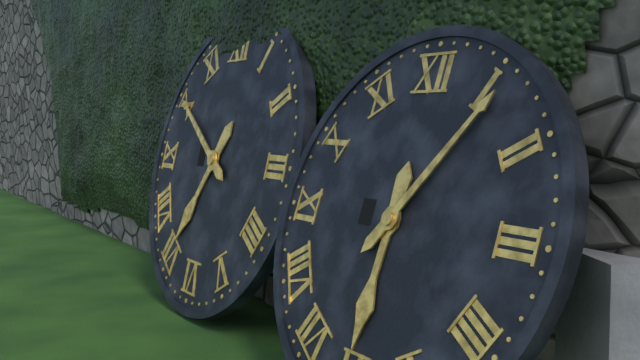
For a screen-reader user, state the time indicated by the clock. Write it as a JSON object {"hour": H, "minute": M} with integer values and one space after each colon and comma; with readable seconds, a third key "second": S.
{"hour": 6, "minute": 6}
